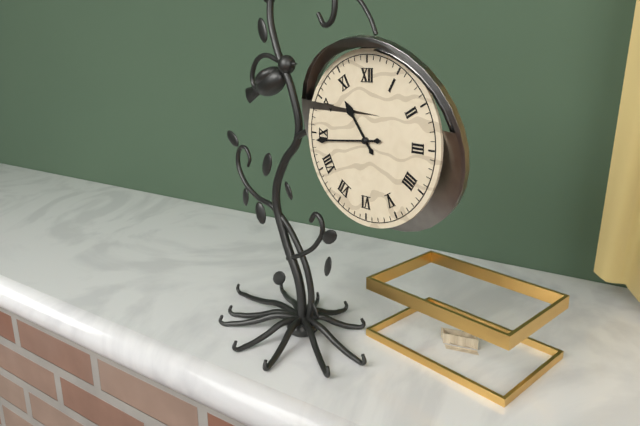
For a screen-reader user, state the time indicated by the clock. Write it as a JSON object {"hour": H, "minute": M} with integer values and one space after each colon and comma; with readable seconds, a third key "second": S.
{"hour": 10, "minute": 44}
